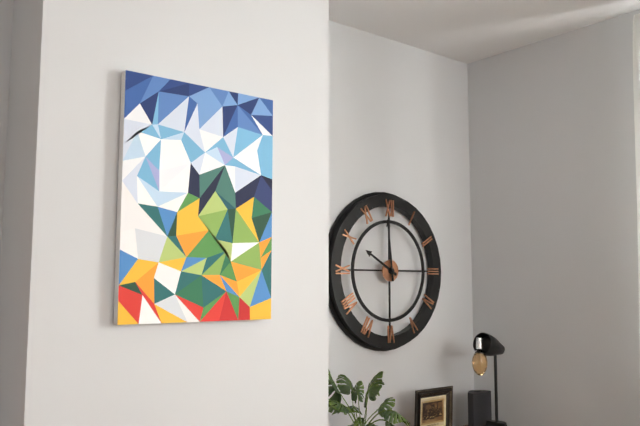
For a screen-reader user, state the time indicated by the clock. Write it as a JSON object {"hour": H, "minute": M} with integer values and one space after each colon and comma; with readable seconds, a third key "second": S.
{"hour": 9, "minute": 59}
